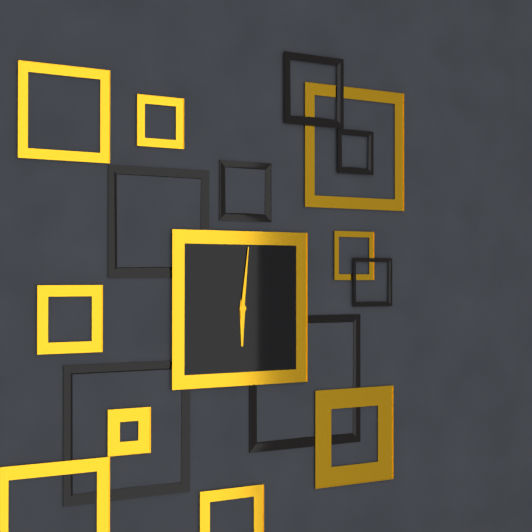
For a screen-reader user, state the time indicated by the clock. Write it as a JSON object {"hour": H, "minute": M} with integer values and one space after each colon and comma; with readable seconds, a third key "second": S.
{"hour": 6, "minute": 1}
